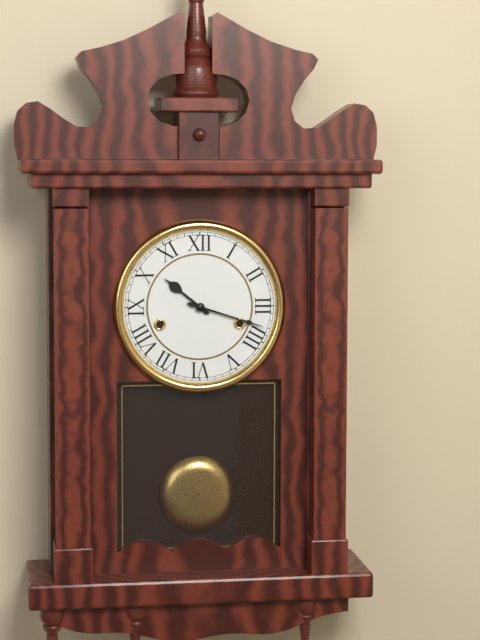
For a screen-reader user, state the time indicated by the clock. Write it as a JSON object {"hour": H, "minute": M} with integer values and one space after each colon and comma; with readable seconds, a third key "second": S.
{"hour": 10, "minute": 18}
